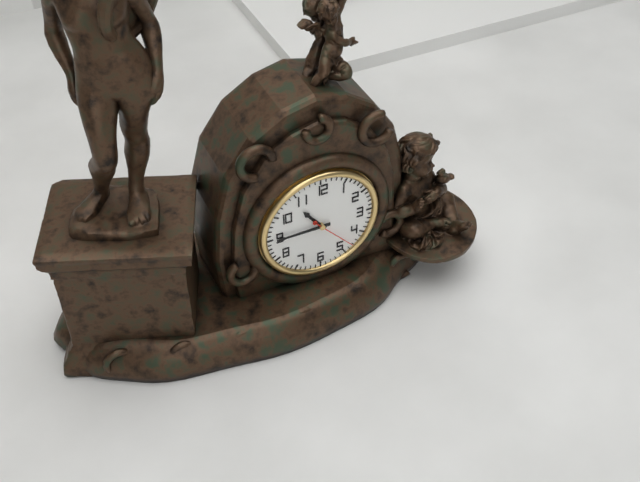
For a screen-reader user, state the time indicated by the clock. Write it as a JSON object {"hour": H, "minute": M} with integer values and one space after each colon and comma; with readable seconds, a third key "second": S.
{"hour": 10, "minute": 45}
